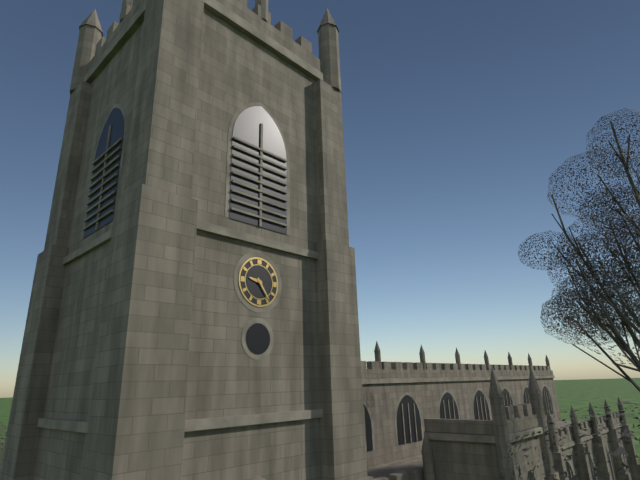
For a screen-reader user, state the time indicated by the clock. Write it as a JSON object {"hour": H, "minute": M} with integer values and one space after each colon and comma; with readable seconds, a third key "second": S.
{"hour": 9, "minute": 24}
